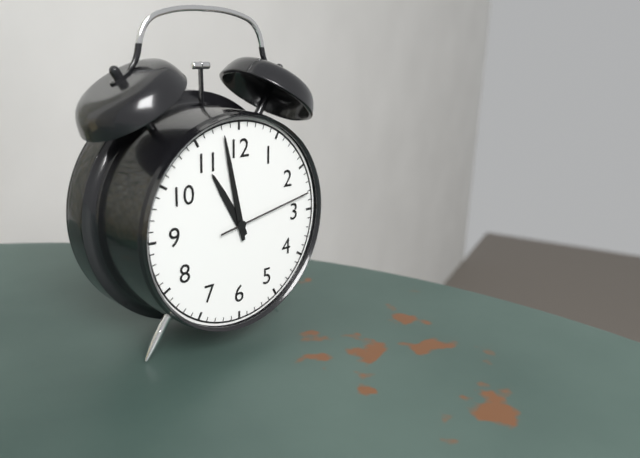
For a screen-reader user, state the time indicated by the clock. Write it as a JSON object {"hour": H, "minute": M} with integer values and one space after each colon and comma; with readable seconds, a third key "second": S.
{"hour": 10, "minute": 58, "second": 13}
